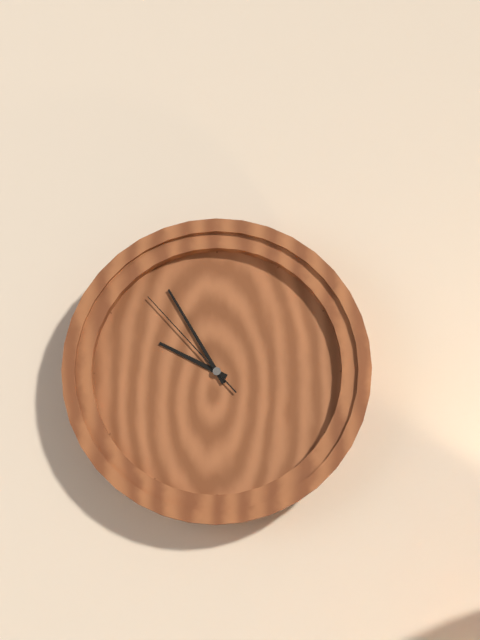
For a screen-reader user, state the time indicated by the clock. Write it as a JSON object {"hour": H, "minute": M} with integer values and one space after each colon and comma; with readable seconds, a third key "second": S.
{"hour": 9, "minute": 55, "second": 53}
